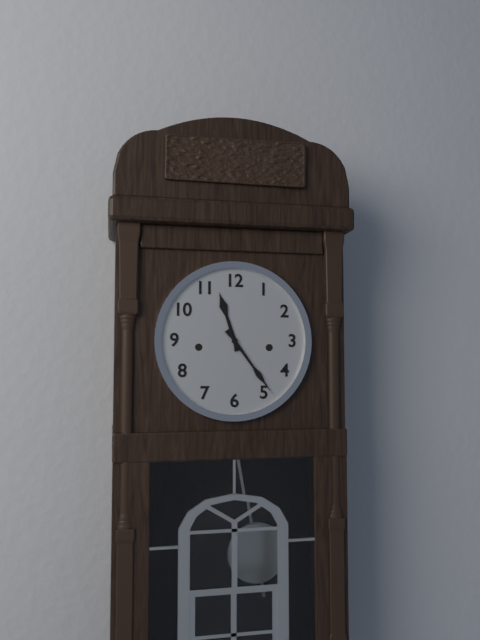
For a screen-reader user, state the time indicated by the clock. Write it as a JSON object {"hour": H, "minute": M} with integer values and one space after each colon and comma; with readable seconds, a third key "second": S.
{"hour": 11, "minute": 24}
